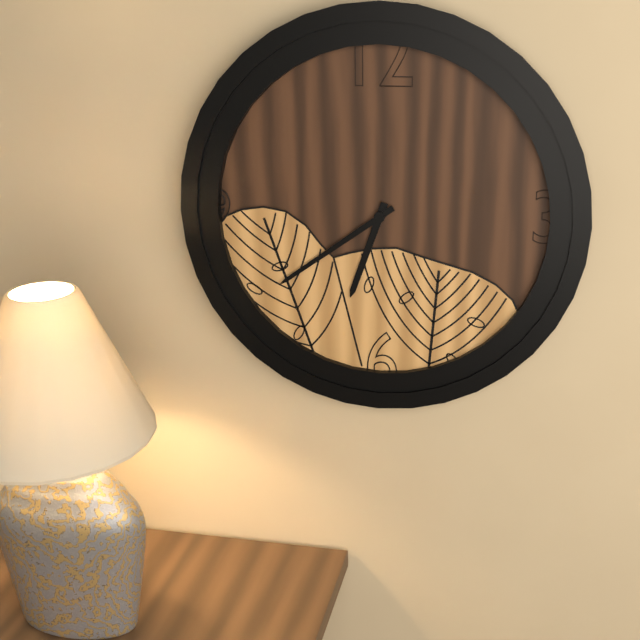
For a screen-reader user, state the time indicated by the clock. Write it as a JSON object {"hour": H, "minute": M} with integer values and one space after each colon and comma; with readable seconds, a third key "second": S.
{"hour": 6, "minute": 39}
